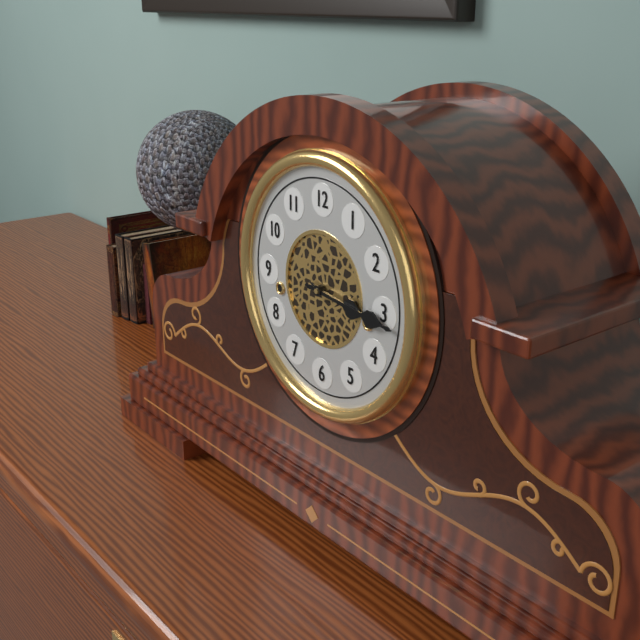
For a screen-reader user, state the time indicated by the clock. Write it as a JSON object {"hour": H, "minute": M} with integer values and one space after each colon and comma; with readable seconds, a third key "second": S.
{"hour": 3, "minute": 16}
